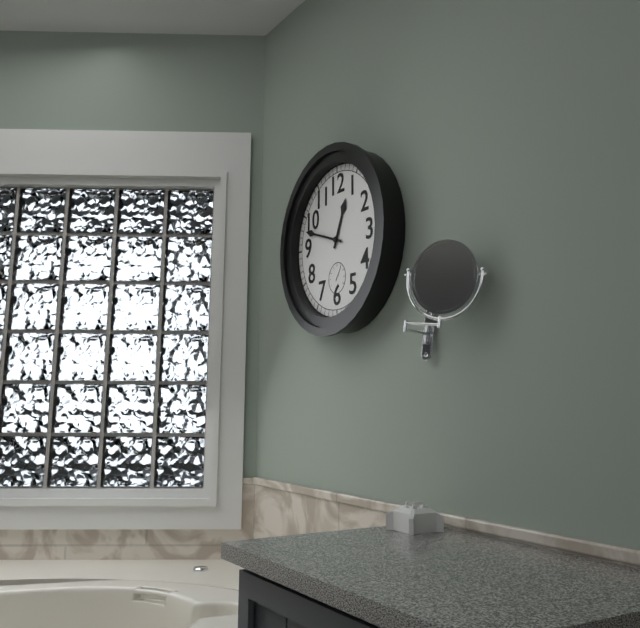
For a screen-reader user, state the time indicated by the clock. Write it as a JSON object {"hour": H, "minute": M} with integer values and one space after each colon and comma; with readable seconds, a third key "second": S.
{"hour": 12, "minute": 48}
